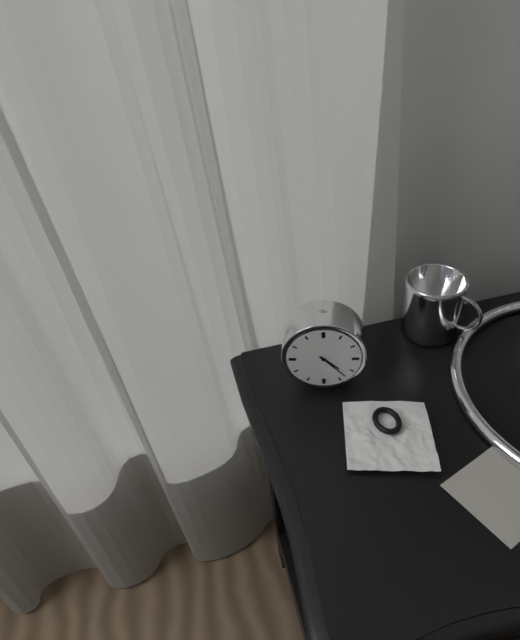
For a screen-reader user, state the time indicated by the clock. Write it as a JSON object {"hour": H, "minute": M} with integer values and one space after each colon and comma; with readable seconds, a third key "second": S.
{"hour": 4, "minute": 23}
